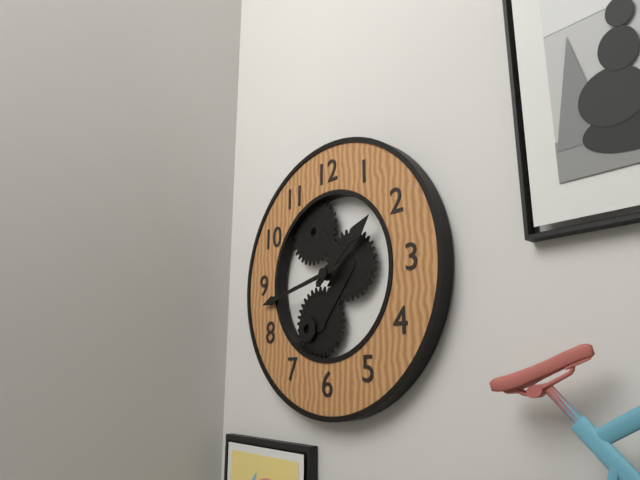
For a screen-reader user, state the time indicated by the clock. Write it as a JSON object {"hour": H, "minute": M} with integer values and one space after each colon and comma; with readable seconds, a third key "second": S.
{"hour": 1, "minute": 43}
